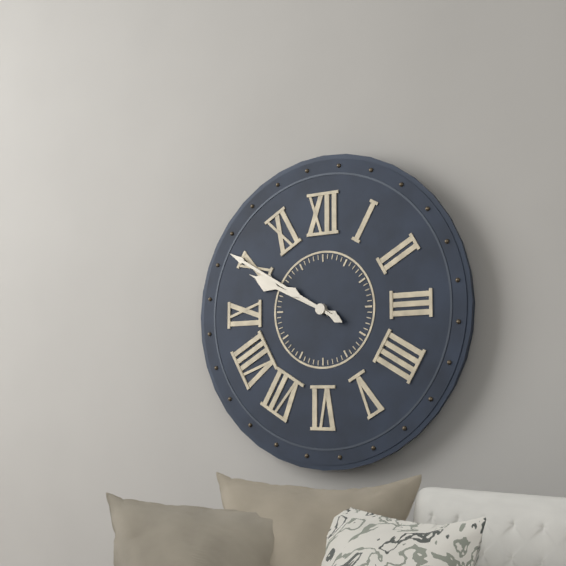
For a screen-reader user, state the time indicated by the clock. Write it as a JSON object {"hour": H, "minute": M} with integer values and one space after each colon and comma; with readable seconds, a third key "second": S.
{"hour": 9, "minute": 50}
